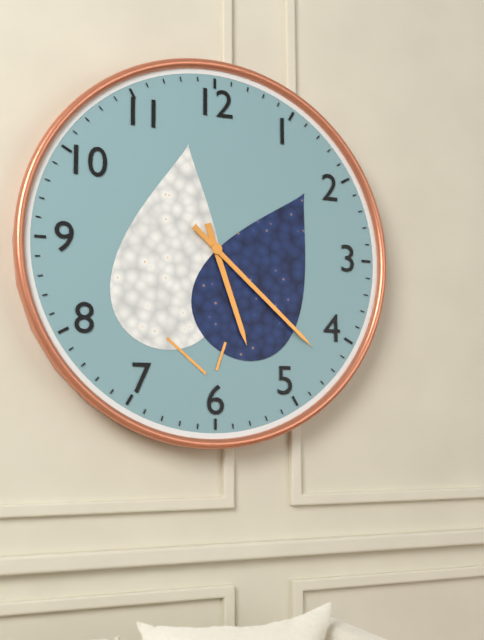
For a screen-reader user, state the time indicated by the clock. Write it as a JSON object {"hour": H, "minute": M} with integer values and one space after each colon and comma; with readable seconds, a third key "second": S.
{"hour": 5, "minute": 22}
